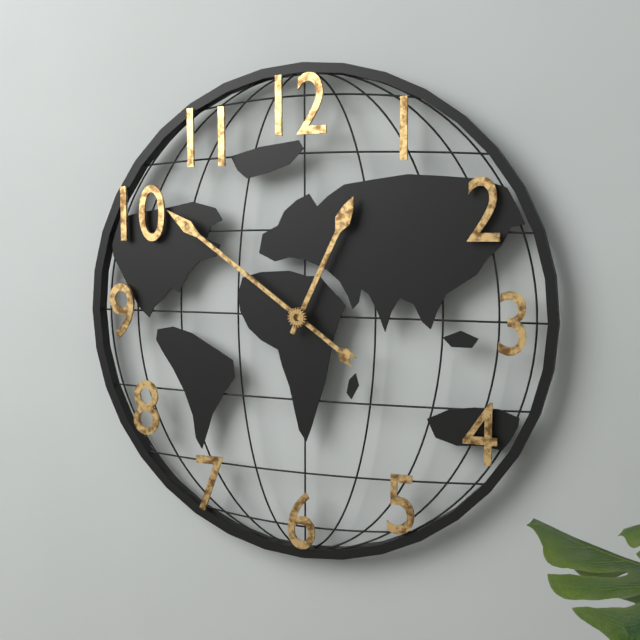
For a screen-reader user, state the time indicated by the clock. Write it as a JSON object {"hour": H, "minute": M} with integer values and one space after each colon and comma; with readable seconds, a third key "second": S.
{"hour": 12, "minute": 51}
